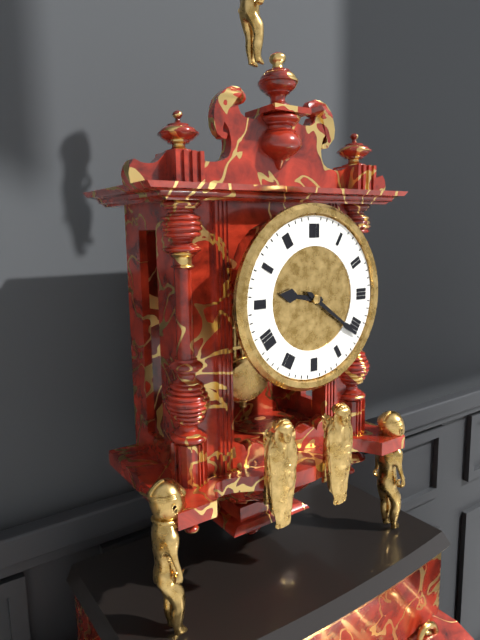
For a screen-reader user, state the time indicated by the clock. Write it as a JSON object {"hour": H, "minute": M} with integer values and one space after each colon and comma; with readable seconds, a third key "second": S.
{"hour": 9, "minute": 21}
